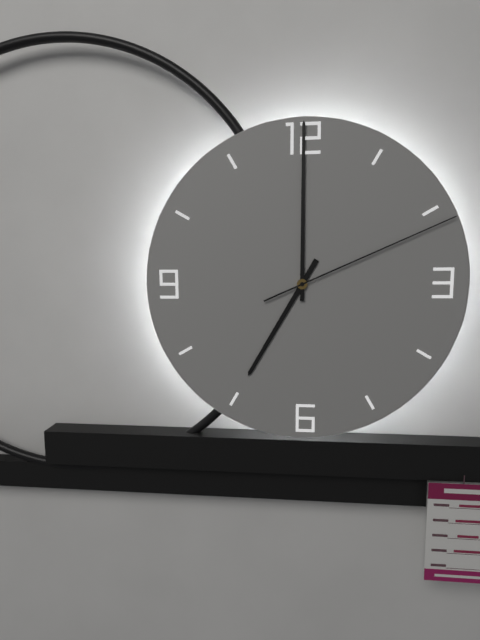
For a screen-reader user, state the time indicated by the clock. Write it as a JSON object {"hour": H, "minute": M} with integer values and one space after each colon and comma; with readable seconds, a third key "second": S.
{"hour": 7, "minute": 0, "second": 11}
